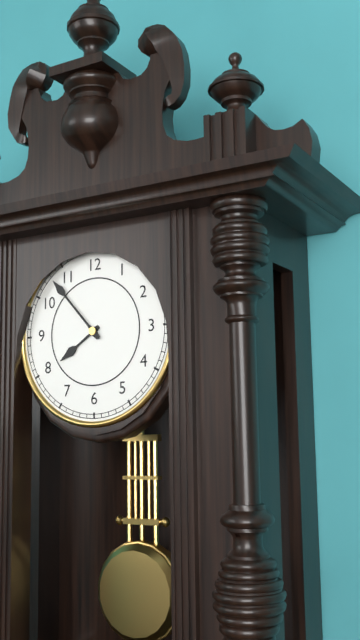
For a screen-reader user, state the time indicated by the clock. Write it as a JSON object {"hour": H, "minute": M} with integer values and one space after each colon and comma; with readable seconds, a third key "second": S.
{"hour": 7, "minute": 53}
